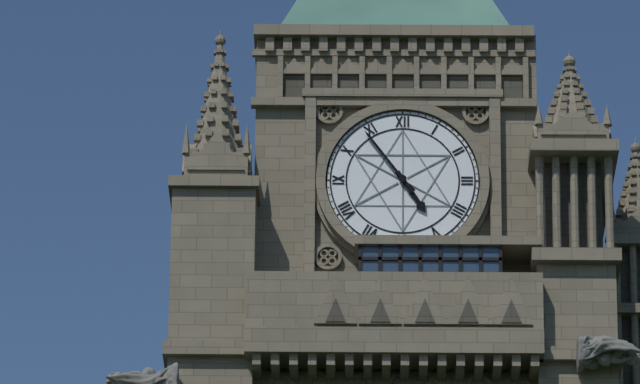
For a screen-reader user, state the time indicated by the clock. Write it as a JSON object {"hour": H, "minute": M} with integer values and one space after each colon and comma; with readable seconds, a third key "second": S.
{"hour": 4, "minute": 54}
